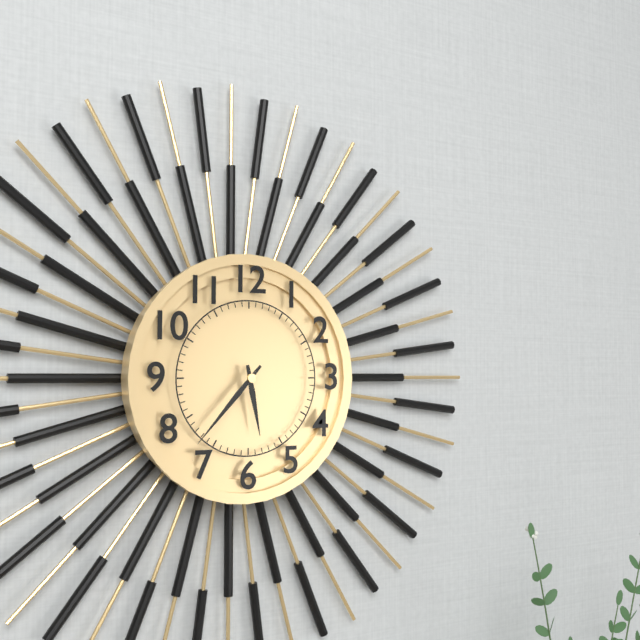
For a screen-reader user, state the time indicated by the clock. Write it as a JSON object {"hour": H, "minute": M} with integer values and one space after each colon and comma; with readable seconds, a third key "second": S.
{"hour": 5, "minute": 37}
